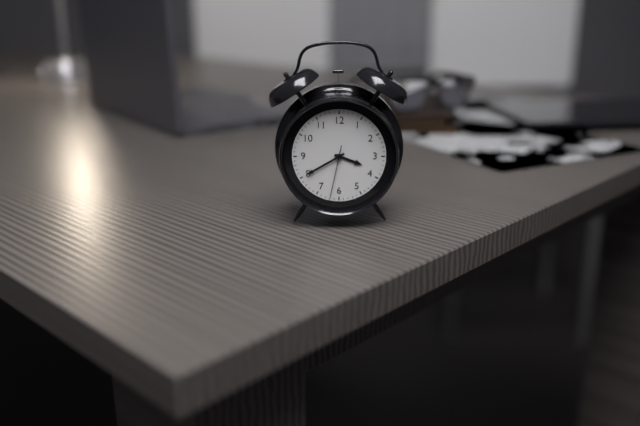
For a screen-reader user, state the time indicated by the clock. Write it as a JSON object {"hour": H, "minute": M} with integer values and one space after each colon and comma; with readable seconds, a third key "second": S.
{"hour": 3, "minute": 40, "second": 32}
